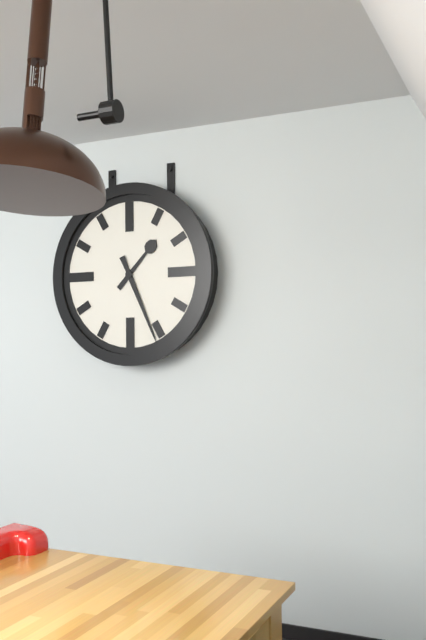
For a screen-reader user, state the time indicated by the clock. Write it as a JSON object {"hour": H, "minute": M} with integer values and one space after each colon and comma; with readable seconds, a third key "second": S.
{"hour": 1, "minute": 26}
